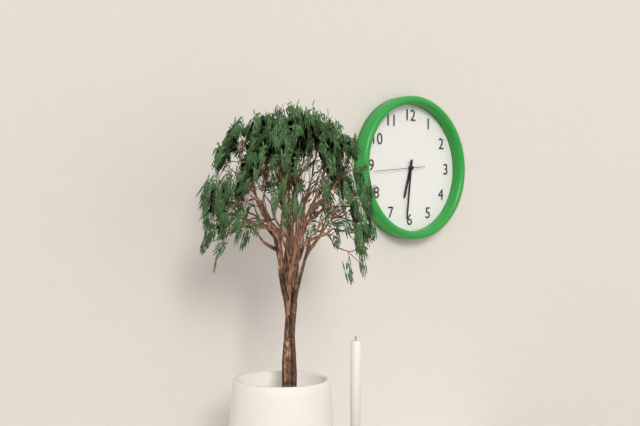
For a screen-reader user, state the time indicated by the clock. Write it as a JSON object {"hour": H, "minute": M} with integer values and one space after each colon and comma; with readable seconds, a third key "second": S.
{"hour": 6, "minute": 31}
